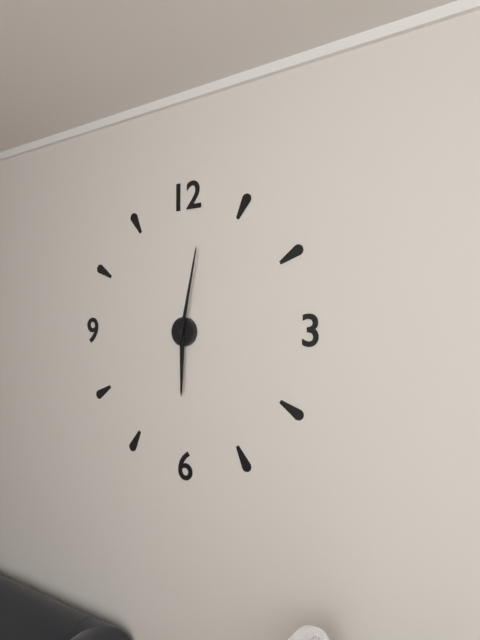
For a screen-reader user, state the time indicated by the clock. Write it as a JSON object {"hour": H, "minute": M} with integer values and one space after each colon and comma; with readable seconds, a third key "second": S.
{"hour": 6, "minute": 2}
